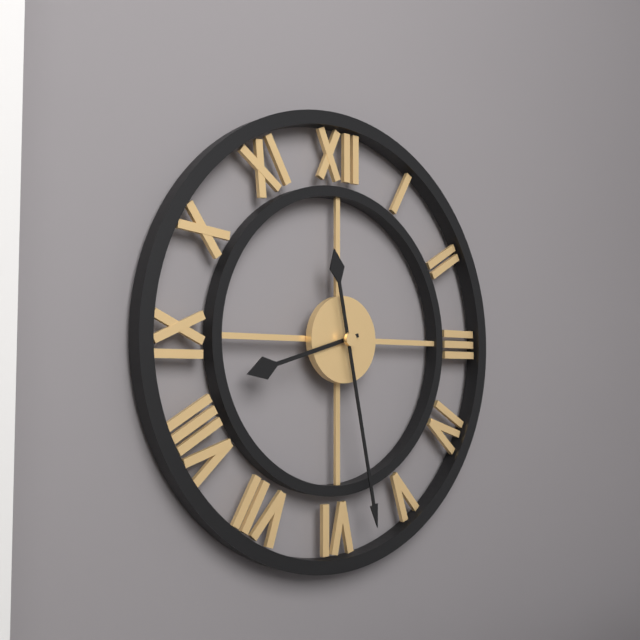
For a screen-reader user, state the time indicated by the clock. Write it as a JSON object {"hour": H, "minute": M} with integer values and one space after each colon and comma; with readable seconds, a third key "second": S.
{"hour": 8, "minute": 28}
